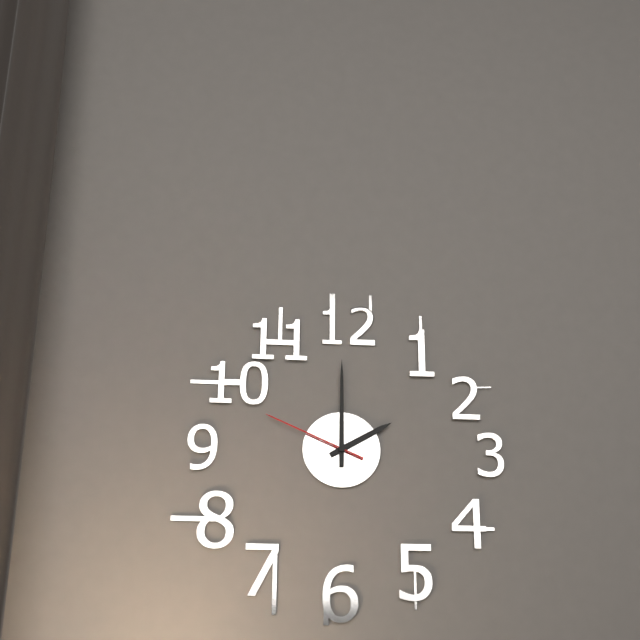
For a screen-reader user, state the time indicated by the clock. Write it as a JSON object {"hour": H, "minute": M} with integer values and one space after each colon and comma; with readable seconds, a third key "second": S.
{"hour": 2, "minute": 0, "second": 49}
